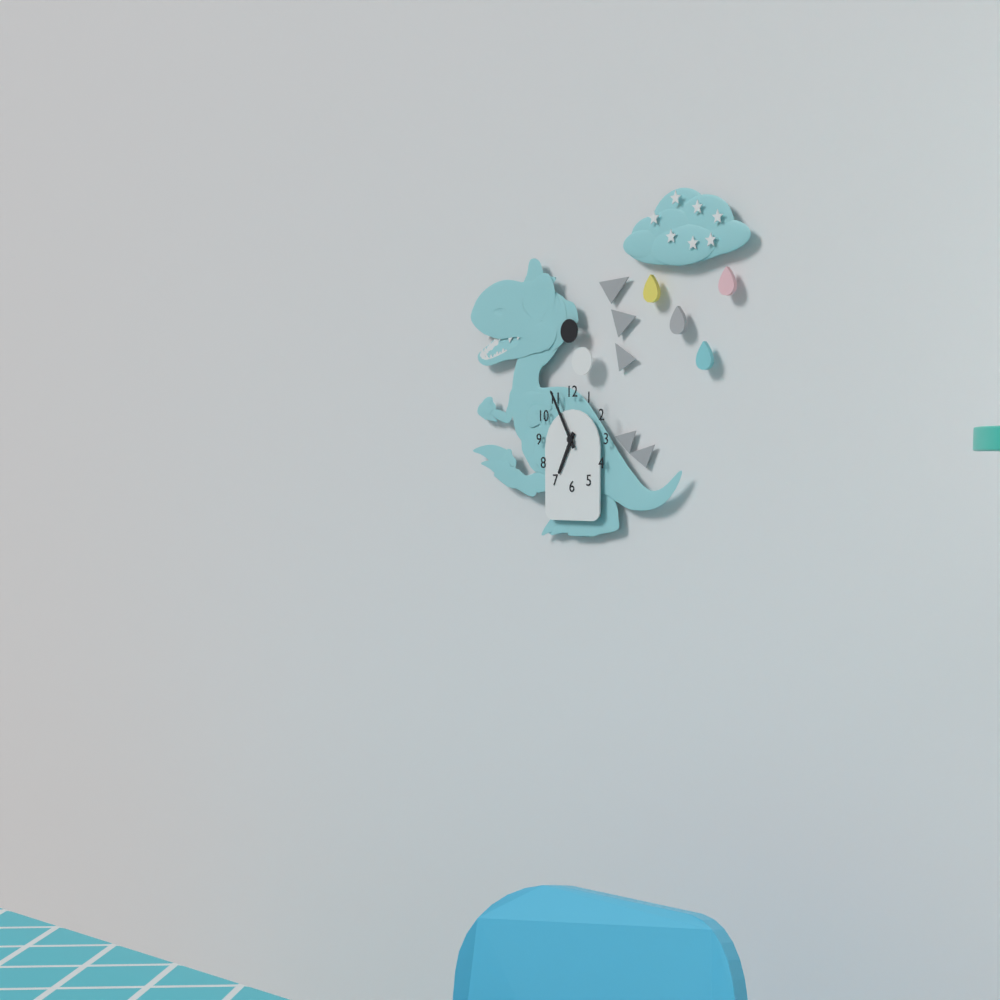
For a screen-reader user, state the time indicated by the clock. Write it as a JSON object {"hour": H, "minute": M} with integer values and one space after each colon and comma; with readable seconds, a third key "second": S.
{"hour": 6, "minute": 55}
